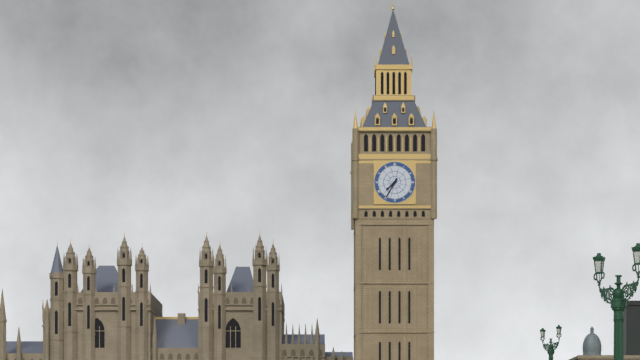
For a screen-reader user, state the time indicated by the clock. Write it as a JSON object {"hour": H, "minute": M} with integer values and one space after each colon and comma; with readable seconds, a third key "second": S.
{"hour": 7, "minute": 35}
